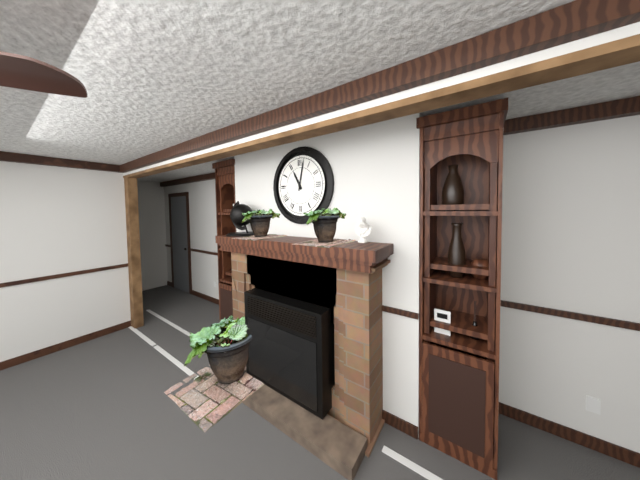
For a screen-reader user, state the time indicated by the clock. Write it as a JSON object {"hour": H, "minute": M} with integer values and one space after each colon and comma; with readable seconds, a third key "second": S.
{"hour": 11, "minute": 2}
